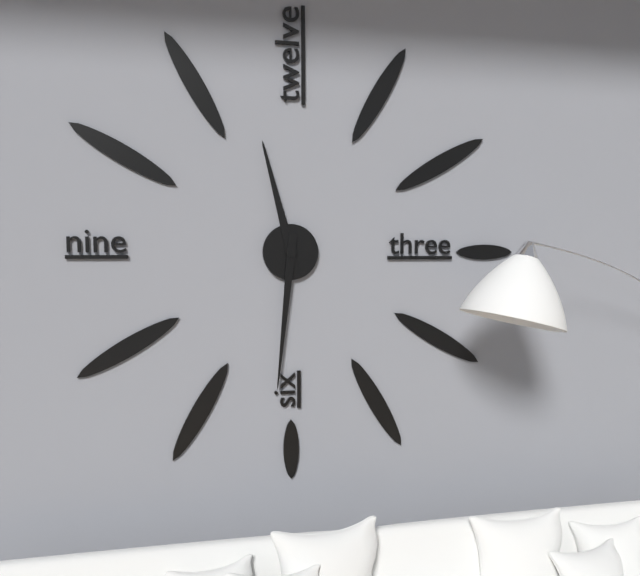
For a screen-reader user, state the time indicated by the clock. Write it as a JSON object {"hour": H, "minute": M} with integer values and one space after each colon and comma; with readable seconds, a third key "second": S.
{"hour": 11, "minute": 31}
